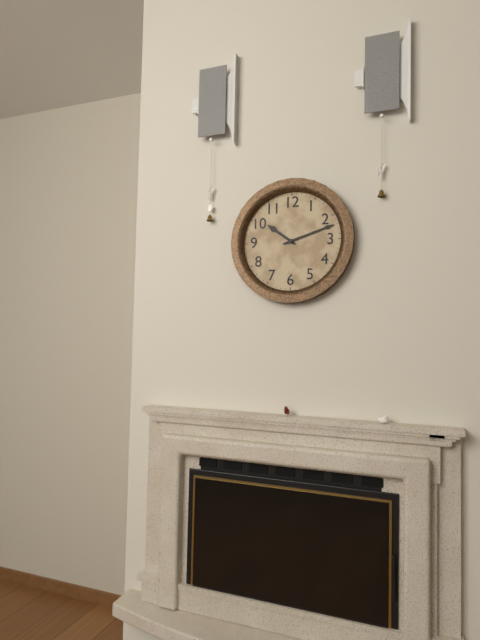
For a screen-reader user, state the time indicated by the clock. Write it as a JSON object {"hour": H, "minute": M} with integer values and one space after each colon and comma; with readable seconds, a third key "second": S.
{"hour": 10, "minute": 12}
